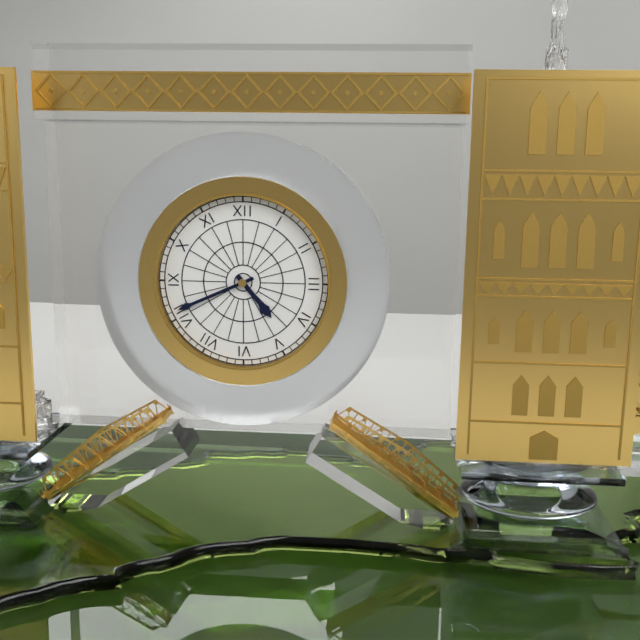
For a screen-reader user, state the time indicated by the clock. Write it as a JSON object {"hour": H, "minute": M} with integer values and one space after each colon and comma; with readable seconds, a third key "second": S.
{"hour": 4, "minute": 41}
